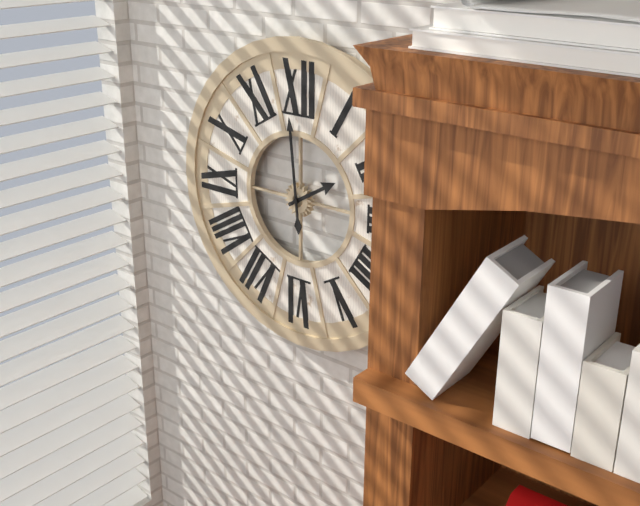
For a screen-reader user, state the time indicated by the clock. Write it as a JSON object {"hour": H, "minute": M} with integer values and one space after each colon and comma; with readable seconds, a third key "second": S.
{"hour": 1, "minute": 59}
